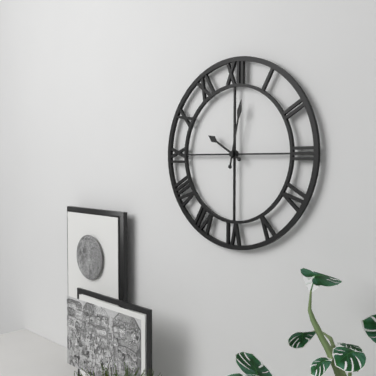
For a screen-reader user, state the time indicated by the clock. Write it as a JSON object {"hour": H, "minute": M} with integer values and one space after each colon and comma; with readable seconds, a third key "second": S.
{"hour": 10, "minute": 2}
